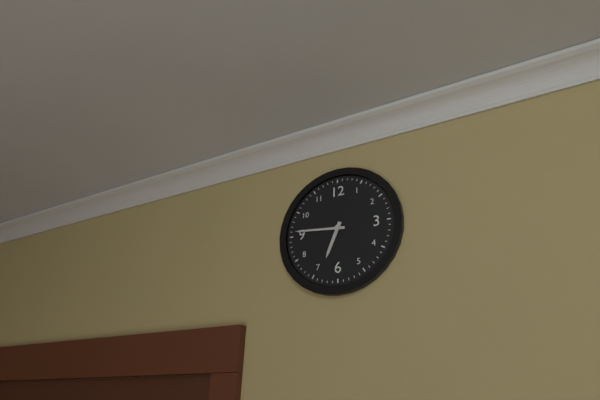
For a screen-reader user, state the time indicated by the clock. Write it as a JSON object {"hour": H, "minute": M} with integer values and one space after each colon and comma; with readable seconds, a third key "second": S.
{"hour": 6, "minute": 46}
